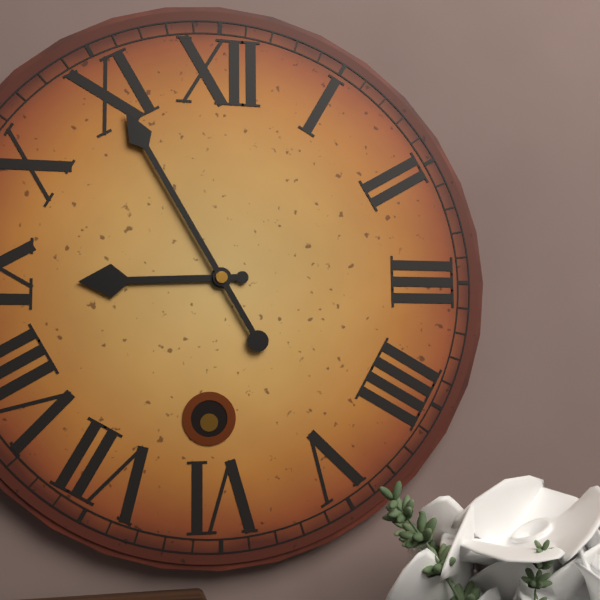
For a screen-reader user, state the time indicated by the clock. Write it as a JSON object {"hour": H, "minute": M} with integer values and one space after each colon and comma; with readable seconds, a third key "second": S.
{"hour": 8, "minute": 55}
